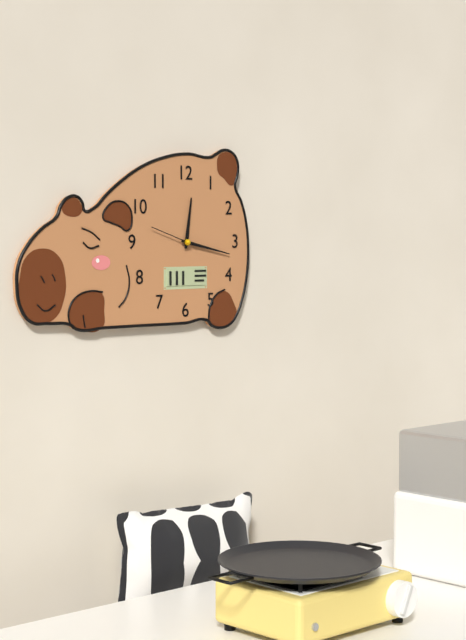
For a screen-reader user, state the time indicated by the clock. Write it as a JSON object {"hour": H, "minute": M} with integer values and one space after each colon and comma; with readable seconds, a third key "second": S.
{"hour": 12, "minute": 17}
